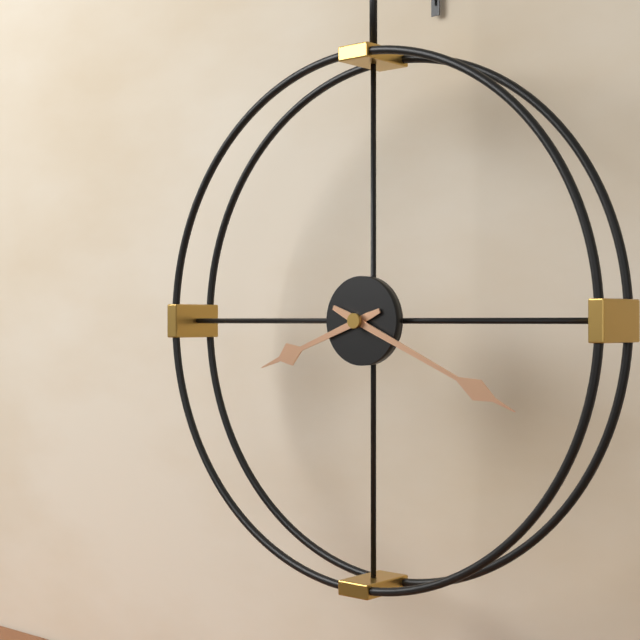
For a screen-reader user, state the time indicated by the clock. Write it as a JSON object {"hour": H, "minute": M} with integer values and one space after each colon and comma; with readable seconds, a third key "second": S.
{"hour": 8, "minute": 19}
